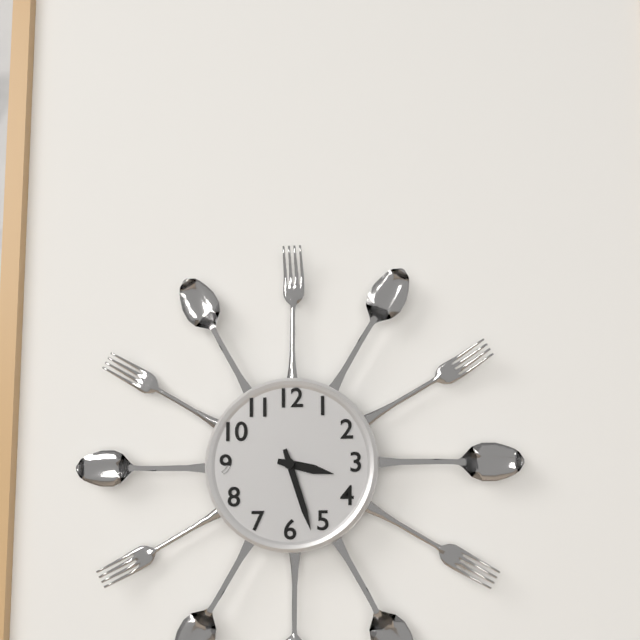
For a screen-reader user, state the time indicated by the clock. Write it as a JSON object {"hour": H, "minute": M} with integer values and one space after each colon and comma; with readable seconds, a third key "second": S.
{"hour": 3, "minute": 27}
